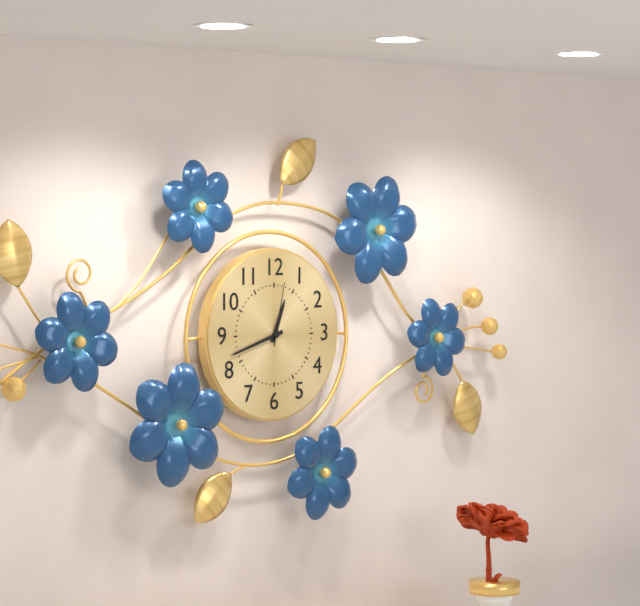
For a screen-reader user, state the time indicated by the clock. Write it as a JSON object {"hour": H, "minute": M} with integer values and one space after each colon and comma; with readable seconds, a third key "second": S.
{"hour": 12, "minute": 42, "second": 2}
